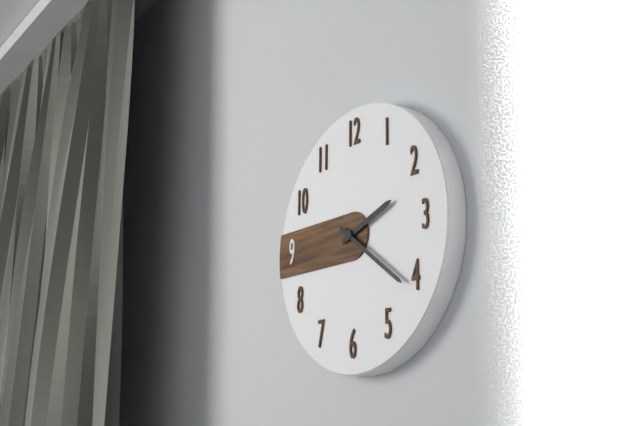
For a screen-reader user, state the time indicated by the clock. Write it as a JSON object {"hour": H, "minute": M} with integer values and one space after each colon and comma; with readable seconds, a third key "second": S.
{"hour": 2, "minute": 21}
